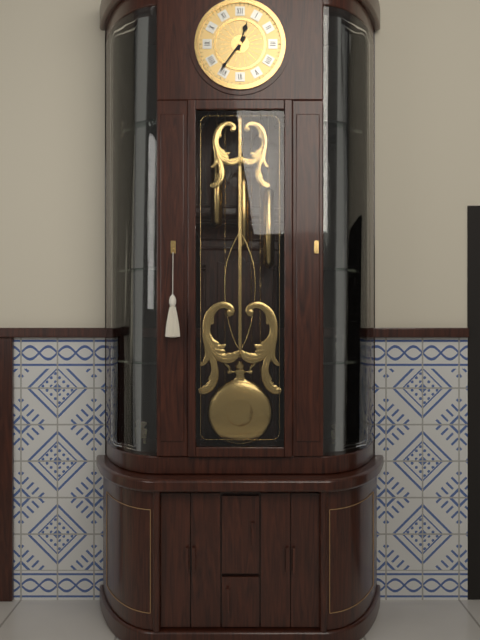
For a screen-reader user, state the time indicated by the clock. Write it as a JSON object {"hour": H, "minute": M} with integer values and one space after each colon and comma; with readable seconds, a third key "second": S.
{"hour": 12, "minute": 36}
